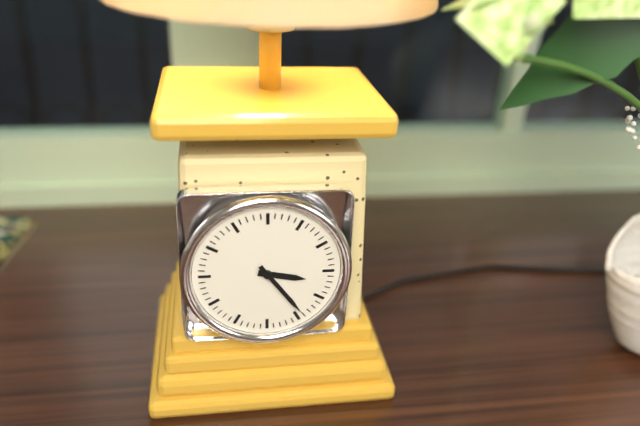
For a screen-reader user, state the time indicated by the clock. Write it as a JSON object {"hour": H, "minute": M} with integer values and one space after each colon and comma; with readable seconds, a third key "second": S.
{"hour": 3, "minute": 24}
